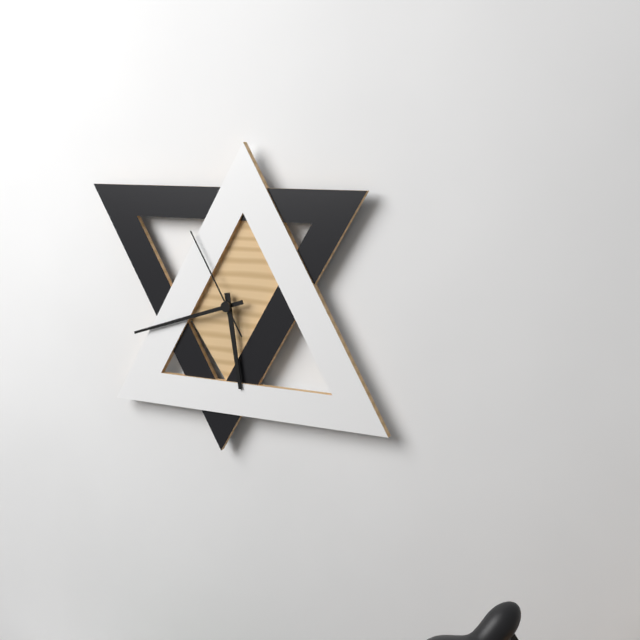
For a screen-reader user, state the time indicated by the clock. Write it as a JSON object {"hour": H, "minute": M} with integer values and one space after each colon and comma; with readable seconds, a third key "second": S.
{"hour": 5, "minute": 42, "second": 55}
